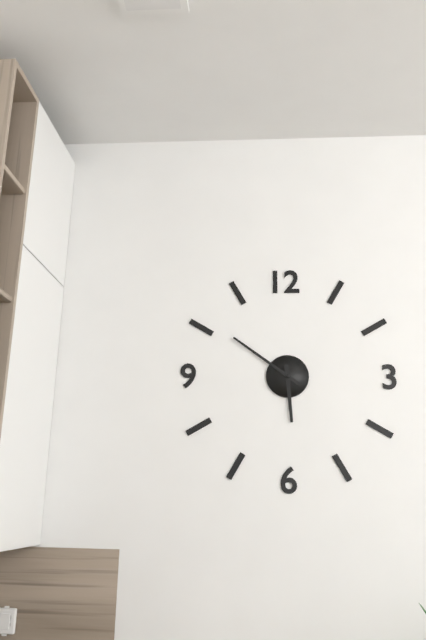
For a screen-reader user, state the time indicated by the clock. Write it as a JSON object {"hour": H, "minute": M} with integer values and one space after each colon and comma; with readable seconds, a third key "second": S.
{"hour": 5, "minute": 51}
